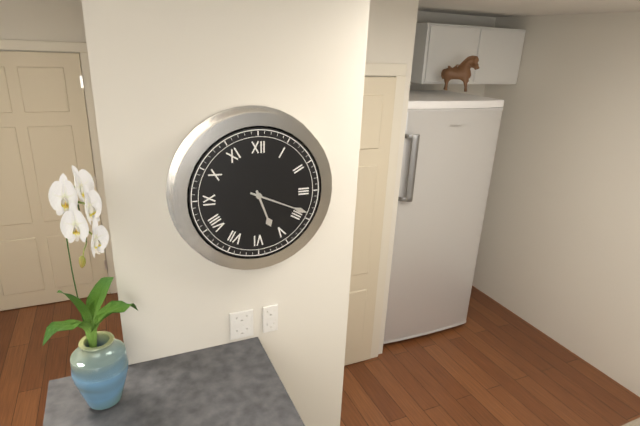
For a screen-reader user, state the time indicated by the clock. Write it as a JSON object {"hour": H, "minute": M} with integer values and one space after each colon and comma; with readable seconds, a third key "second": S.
{"hour": 5, "minute": 19}
